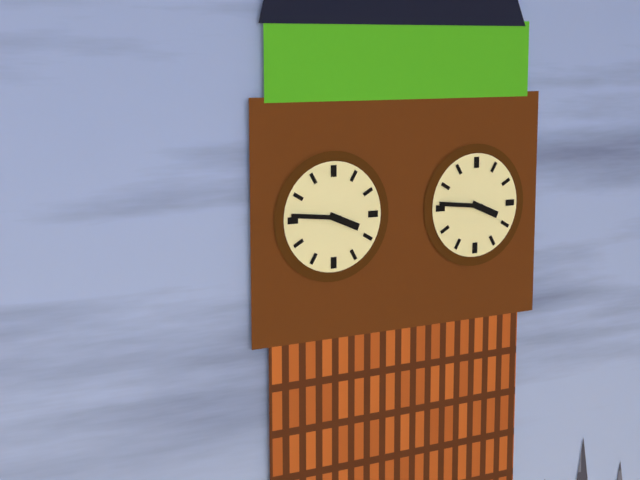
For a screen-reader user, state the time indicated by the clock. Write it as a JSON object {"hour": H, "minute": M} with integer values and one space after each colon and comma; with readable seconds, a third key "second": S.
{"hour": 3, "minute": 46}
